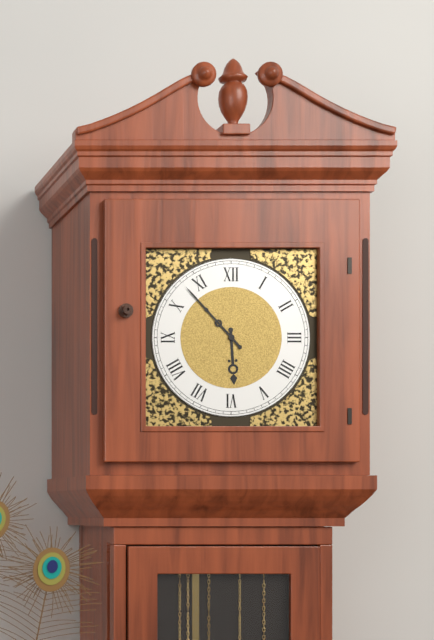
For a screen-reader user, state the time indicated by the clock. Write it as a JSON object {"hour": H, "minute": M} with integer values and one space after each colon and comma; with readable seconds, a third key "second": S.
{"hour": 5, "minute": 53}
